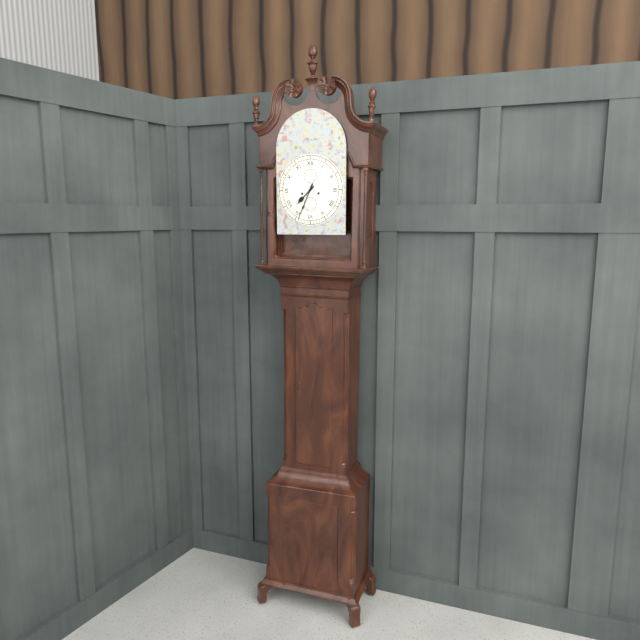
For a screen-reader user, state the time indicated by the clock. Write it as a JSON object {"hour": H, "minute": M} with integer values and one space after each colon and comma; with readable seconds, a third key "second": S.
{"hour": 7, "minute": 34}
